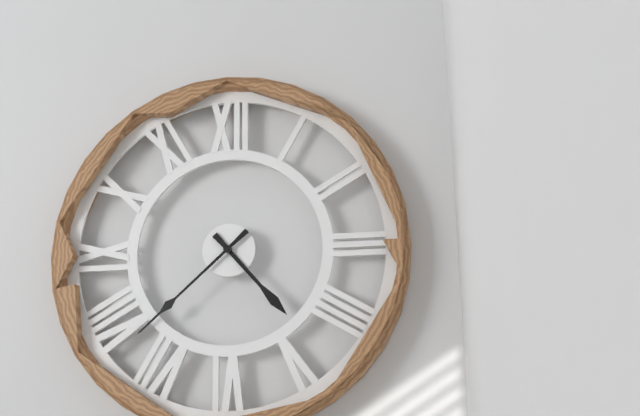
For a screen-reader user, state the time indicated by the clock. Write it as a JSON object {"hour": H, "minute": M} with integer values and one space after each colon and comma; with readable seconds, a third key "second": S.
{"hour": 4, "minute": 38}
